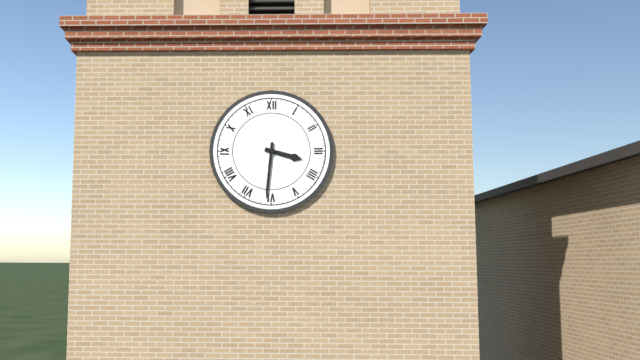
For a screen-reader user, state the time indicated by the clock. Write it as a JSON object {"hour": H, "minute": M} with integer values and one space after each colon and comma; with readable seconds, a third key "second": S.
{"hour": 3, "minute": 31}
